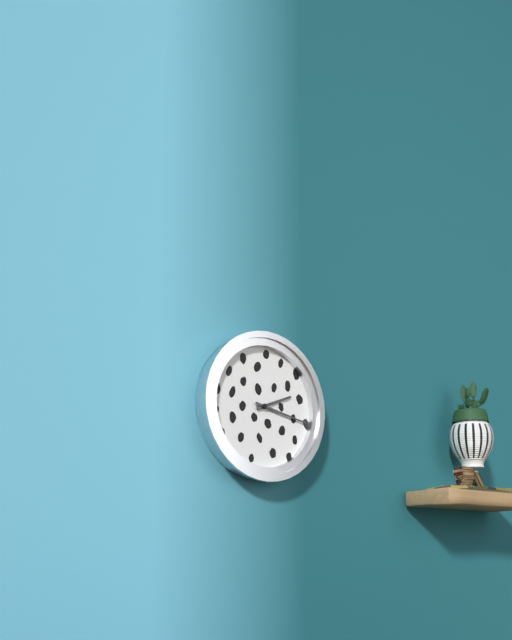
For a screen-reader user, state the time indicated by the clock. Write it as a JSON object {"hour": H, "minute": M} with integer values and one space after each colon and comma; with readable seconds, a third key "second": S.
{"hour": 2, "minute": 17}
